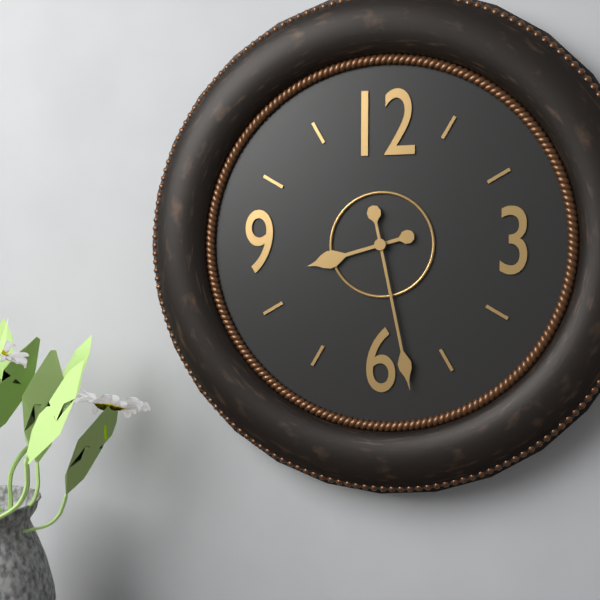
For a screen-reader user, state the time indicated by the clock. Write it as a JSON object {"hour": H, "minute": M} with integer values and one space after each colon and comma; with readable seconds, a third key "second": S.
{"hour": 8, "minute": 28}
